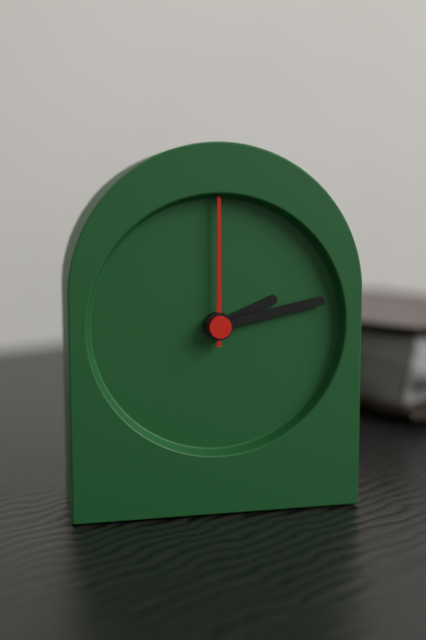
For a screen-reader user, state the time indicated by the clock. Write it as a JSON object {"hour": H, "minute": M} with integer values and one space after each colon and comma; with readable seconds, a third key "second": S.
{"hour": 2, "minute": 13, "second": 0}
